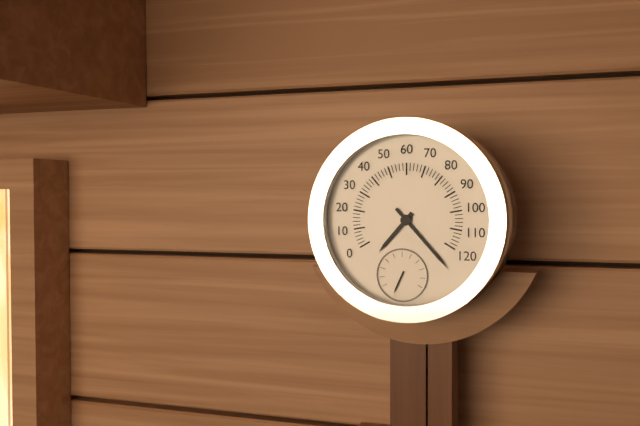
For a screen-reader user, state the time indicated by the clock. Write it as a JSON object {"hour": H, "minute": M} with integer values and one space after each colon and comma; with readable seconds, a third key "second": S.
{"hour": 7, "minute": 23}
